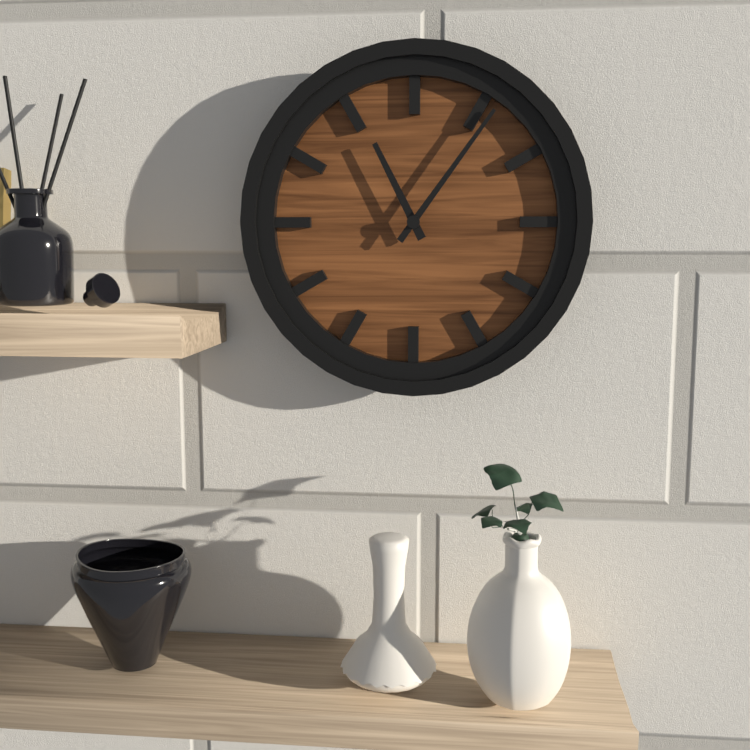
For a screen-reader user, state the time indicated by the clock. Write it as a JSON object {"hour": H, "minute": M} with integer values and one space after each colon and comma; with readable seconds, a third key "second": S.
{"hour": 11, "minute": 6}
